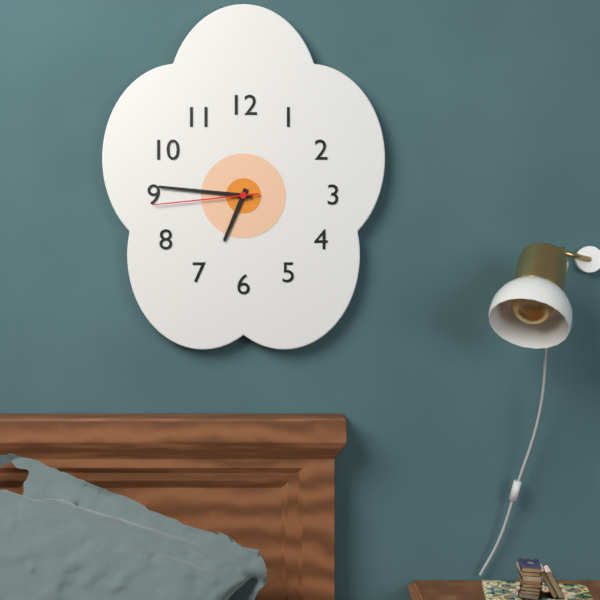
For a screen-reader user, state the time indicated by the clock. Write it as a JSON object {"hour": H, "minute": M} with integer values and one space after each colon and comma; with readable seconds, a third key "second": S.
{"hour": 6, "minute": 46, "second": 44}
